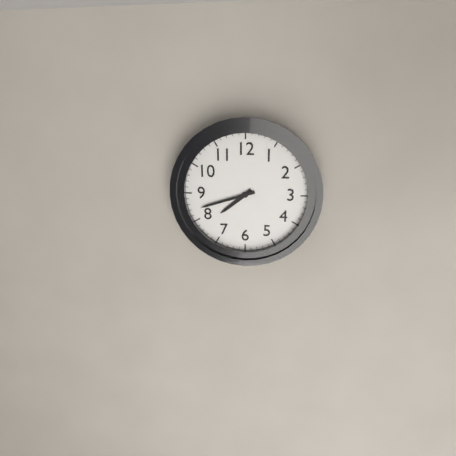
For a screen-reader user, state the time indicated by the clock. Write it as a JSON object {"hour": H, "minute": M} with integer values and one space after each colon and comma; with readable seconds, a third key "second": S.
{"hour": 7, "minute": 42}
